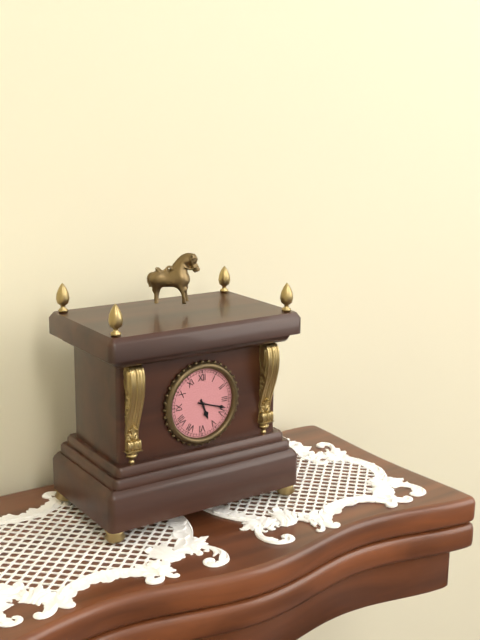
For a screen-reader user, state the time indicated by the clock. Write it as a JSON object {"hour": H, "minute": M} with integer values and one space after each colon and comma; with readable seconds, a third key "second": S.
{"hour": 5, "minute": 18}
